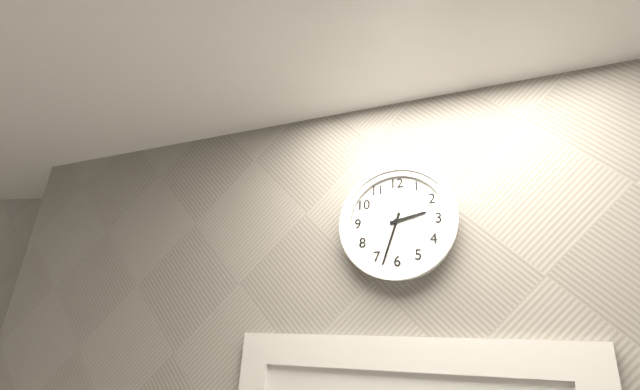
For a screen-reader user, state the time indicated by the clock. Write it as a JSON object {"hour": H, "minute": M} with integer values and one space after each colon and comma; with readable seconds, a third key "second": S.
{"hour": 2, "minute": 33}
